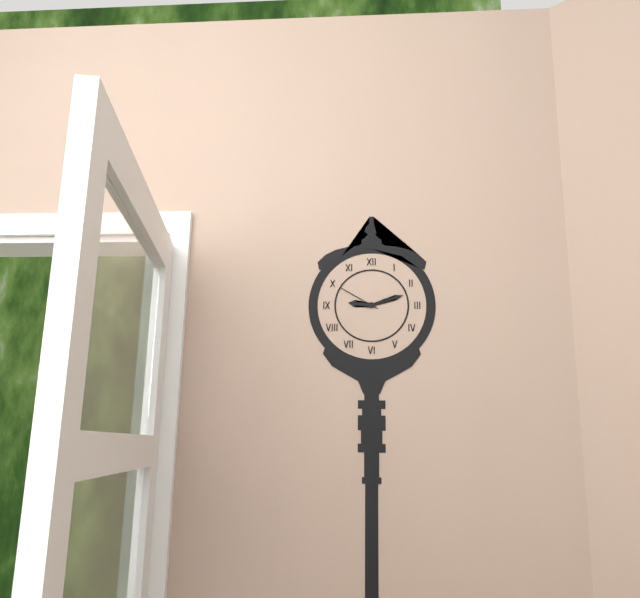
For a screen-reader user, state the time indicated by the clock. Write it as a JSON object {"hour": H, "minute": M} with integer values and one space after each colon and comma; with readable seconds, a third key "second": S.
{"hour": 9, "minute": 12}
